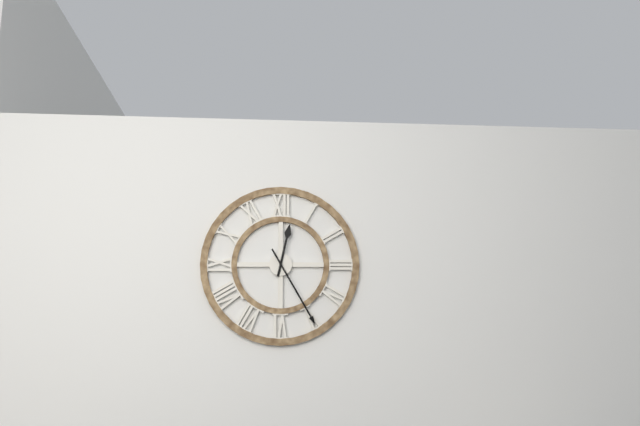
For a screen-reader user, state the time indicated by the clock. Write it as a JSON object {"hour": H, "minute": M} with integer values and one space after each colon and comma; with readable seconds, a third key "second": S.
{"hour": 12, "minute": 25}
